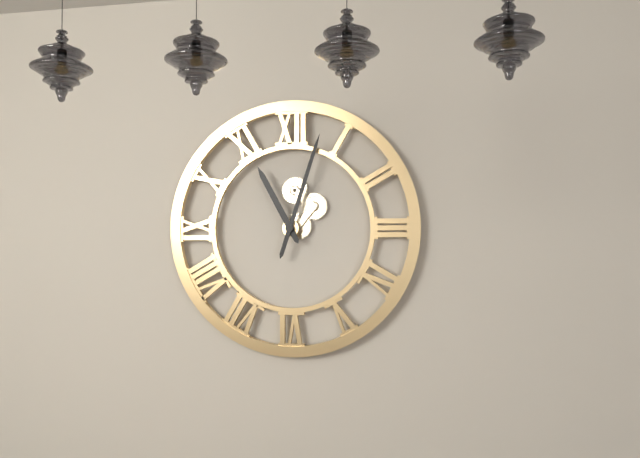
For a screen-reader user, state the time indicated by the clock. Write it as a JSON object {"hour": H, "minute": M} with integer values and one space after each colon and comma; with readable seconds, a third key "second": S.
{"hour": 11, "minute": 3}
